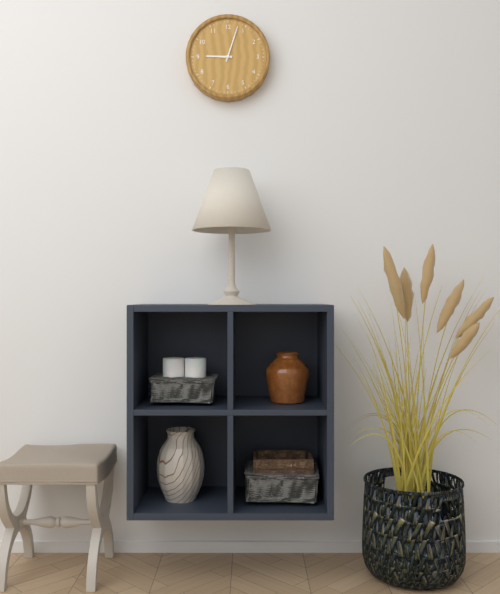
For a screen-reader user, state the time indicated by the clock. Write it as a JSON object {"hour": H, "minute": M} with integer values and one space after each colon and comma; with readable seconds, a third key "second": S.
{"hour": 9, "minute": 3}
